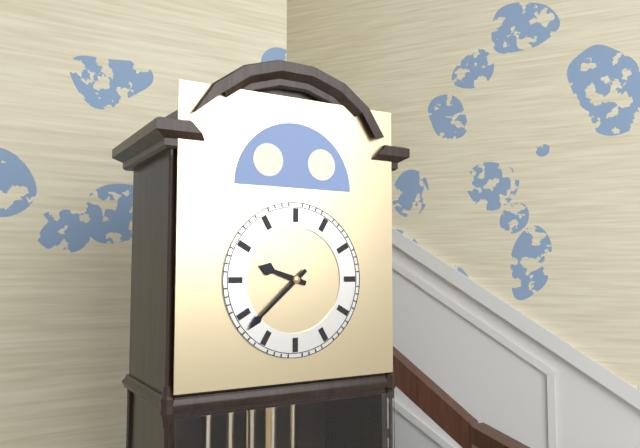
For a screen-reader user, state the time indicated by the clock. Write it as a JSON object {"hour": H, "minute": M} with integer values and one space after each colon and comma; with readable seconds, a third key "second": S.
{"hour": 9, "minute": 38}
